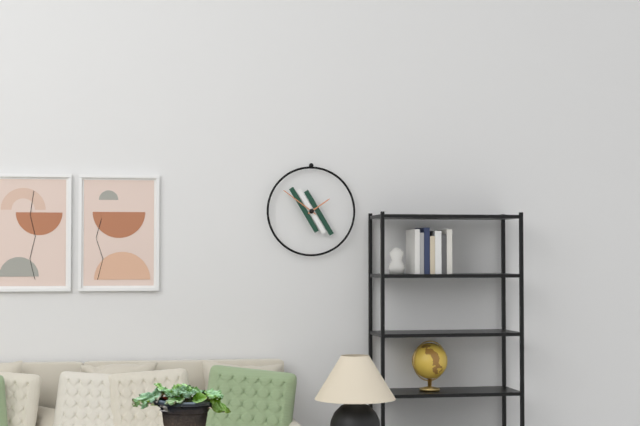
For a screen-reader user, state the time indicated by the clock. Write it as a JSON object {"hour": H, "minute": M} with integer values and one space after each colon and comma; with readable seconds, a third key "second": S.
{"hour": 1, "minute": 51}
